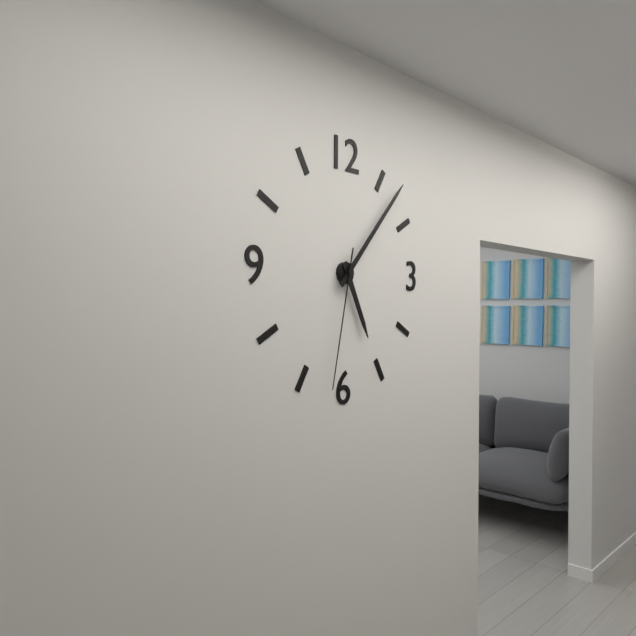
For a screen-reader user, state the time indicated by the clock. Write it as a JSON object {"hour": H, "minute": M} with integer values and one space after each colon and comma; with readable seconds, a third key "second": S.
{"hour": 5, "minute": 7, "second": 32}
